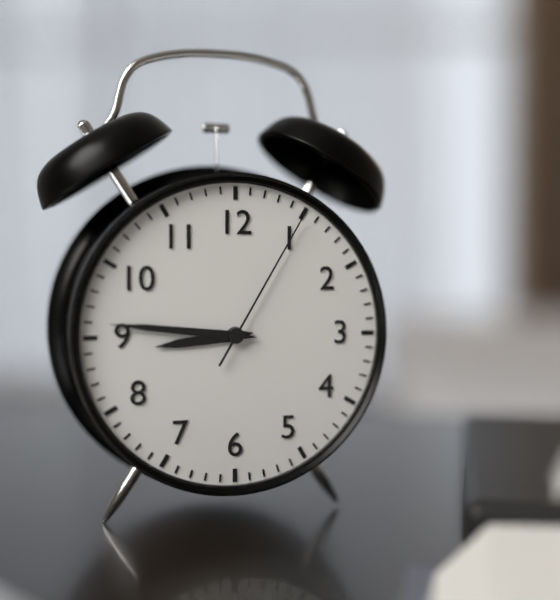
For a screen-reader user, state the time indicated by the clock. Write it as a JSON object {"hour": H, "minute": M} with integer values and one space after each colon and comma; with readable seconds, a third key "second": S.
{"hour": 8, "minute": 46, "second": 5}
